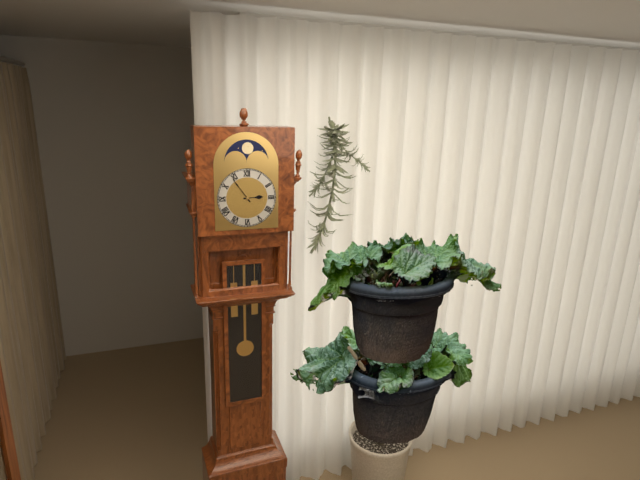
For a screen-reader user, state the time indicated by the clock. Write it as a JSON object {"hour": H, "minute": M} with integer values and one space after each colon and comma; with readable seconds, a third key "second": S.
{"hour": 2, "minute": 54}
